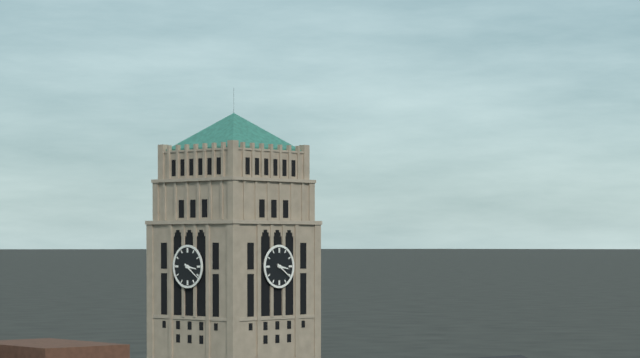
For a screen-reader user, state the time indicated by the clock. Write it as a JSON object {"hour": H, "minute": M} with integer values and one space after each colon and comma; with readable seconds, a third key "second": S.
{"hour": 3, "minute": 21}
